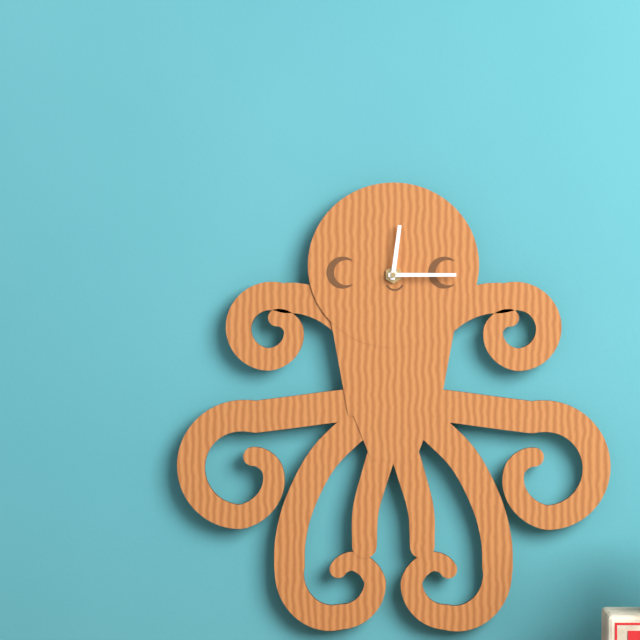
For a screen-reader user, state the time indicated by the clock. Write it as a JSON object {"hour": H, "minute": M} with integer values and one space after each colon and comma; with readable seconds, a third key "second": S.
{"hour": 12, "minute": 15}
